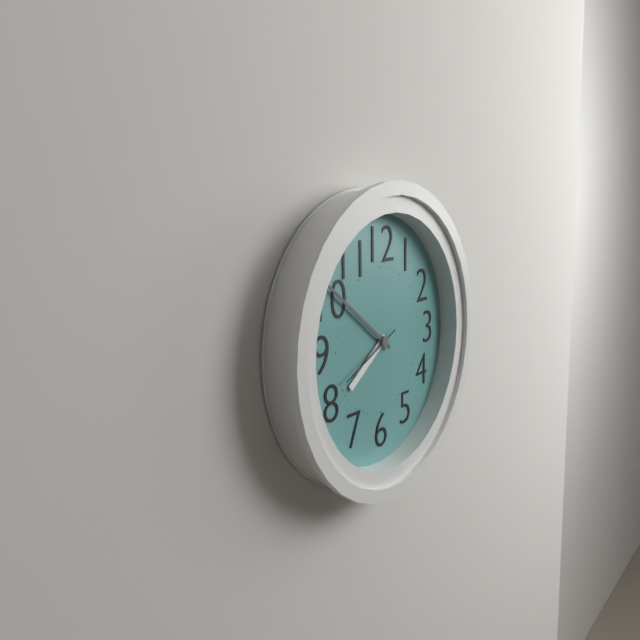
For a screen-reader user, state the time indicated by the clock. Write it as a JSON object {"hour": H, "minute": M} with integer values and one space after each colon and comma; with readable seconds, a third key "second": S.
{"hour": 7, "minute": 51, "second": 41}
